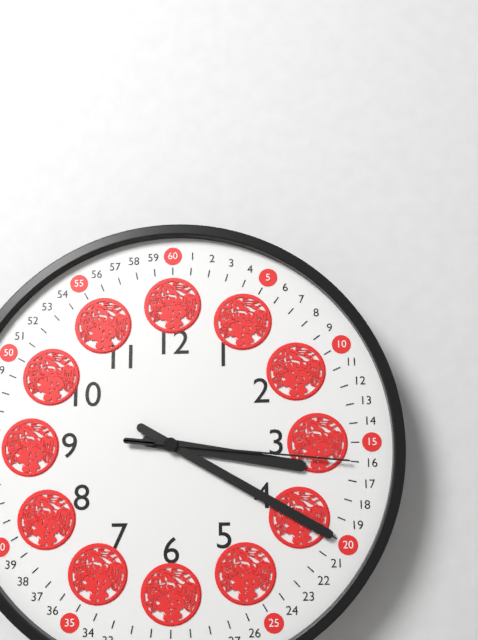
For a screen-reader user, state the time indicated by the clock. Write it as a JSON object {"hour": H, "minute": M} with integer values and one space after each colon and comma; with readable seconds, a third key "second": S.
{"hour": 3, "minute": 20, "second": 16}
